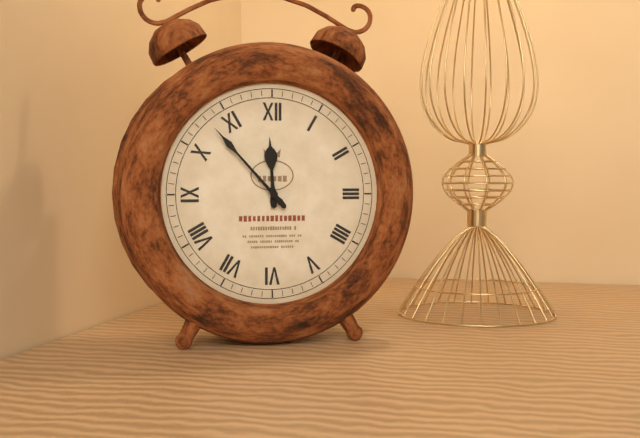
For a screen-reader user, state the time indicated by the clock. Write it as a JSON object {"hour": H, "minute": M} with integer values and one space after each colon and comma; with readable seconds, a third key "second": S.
{"hour": 11, "minute": 53}
